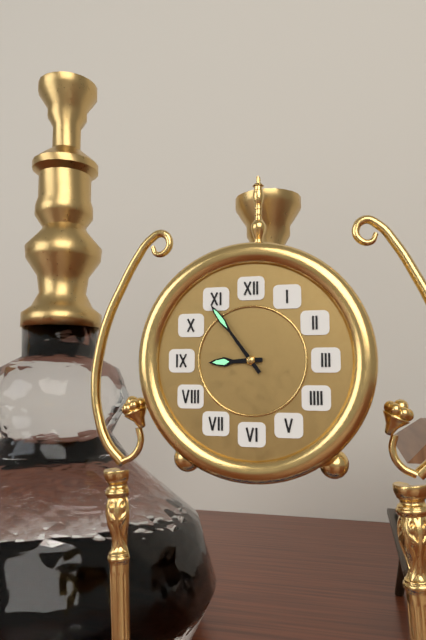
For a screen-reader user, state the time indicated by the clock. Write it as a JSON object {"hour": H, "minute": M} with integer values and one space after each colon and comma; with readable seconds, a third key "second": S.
{"hour": 8, "minute": 54}
